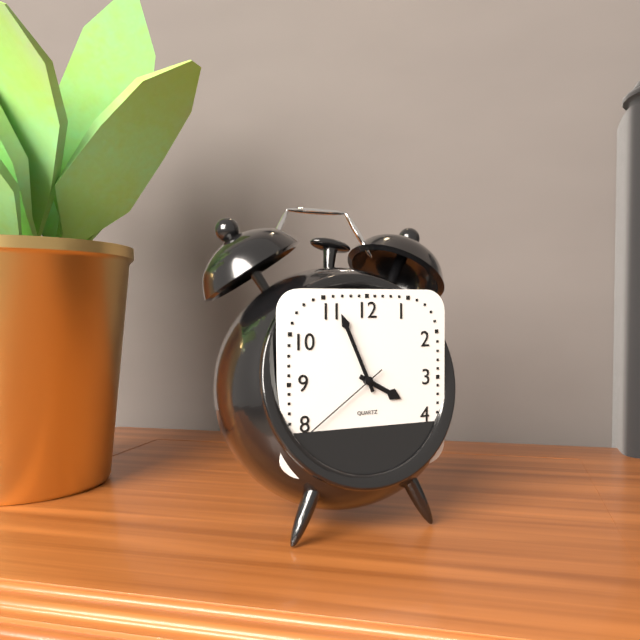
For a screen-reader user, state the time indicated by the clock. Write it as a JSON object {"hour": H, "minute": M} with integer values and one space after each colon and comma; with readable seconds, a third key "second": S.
{"hour": 3, "minute": 56, "second": 39}
